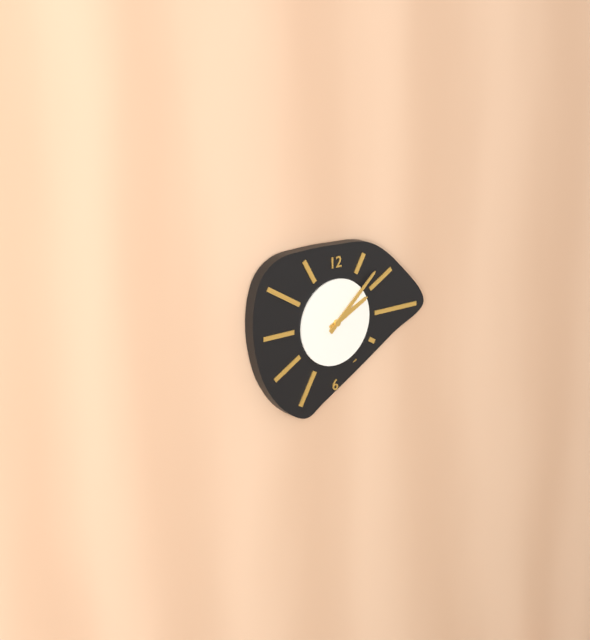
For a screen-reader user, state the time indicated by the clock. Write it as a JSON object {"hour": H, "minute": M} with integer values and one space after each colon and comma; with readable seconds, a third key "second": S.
{"hour": 2, "minute": 8}
